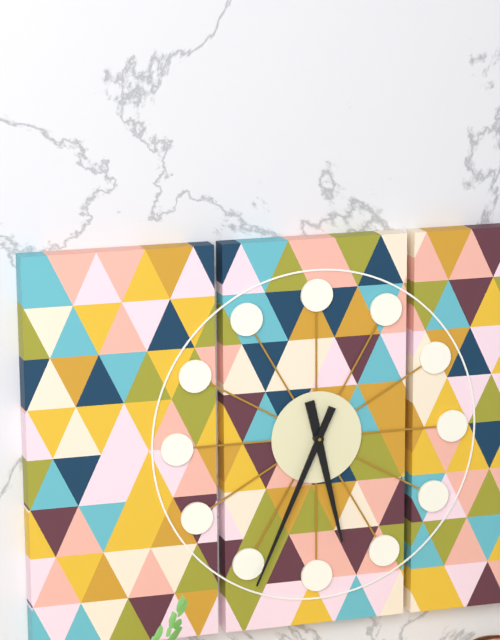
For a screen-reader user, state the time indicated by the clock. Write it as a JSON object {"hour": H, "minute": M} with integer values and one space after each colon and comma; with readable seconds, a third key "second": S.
{"hour": 5, "minute": 34}
